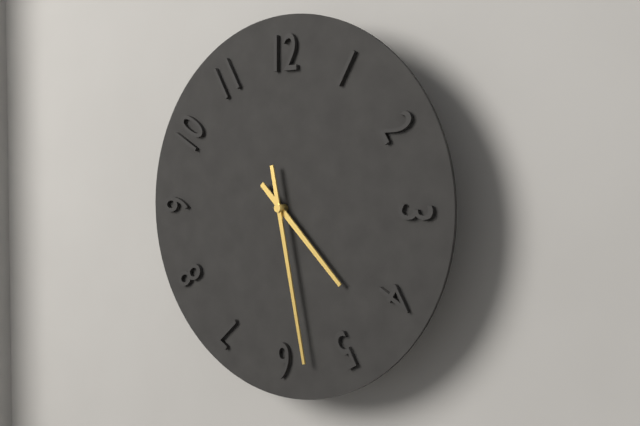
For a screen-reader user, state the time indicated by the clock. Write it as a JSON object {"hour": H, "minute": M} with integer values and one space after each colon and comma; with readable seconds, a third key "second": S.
{"hour": 4, "minute": 28}
